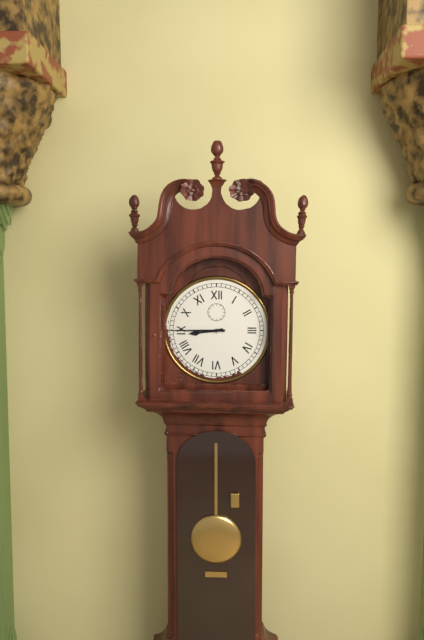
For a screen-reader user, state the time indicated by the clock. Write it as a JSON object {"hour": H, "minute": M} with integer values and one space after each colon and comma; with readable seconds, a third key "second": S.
{"hour": 8, "minute": 45}
